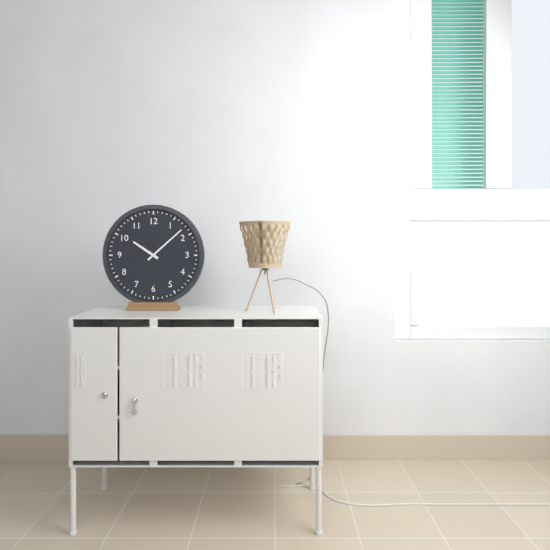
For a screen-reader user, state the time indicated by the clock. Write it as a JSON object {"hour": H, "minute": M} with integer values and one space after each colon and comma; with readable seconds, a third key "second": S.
{"hour": 10, "minute": 8}
